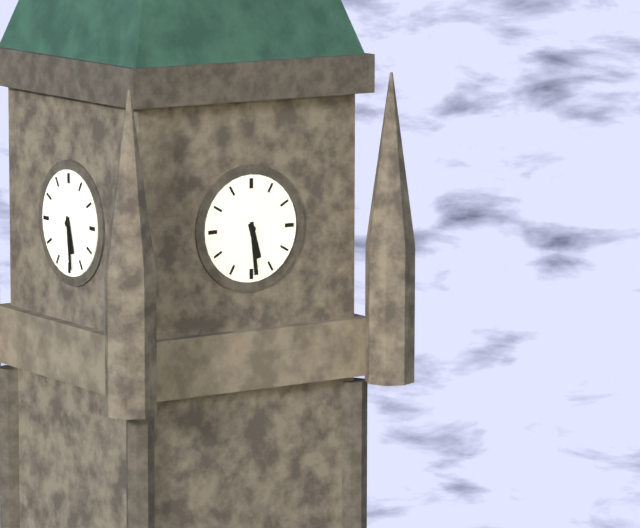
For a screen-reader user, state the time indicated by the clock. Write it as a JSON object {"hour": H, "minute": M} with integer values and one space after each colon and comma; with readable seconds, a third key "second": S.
{"hour": 5, "minute": 29}
